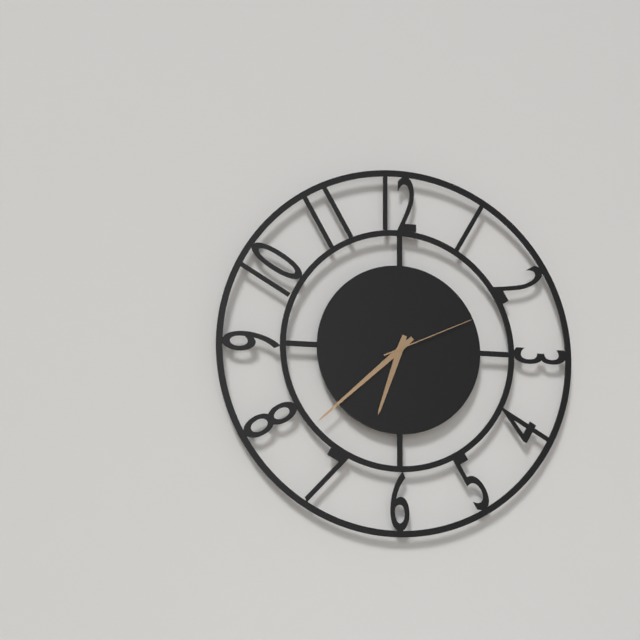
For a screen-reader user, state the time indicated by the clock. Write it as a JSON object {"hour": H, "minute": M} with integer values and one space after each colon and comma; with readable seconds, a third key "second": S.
{"hour": 6, "minute": 38, "second": 11}
